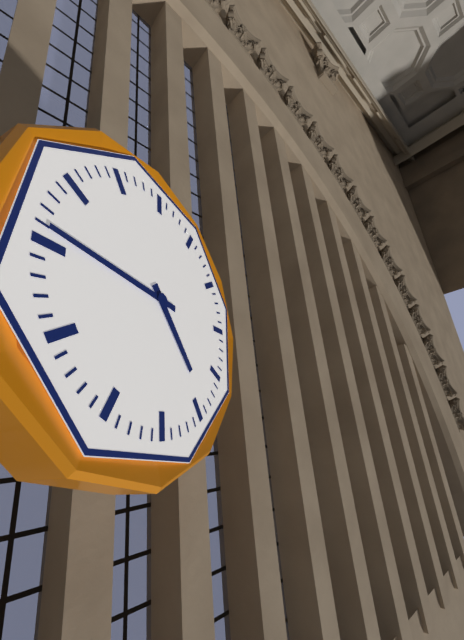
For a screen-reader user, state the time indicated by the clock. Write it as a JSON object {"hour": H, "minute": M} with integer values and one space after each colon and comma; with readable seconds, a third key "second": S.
{"hour": 4, "minute": 46}
